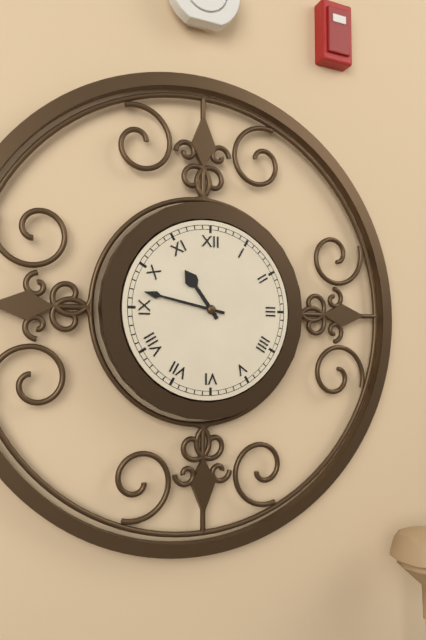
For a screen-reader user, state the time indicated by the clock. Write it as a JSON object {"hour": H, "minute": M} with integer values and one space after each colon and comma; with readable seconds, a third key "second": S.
{"hour": 10, "minute": 47}
